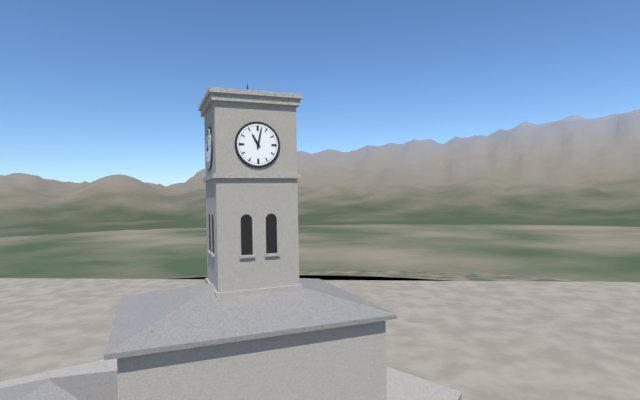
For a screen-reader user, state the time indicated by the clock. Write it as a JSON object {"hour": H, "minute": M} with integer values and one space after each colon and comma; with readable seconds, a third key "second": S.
{"hour": 11, "minute": 2}
